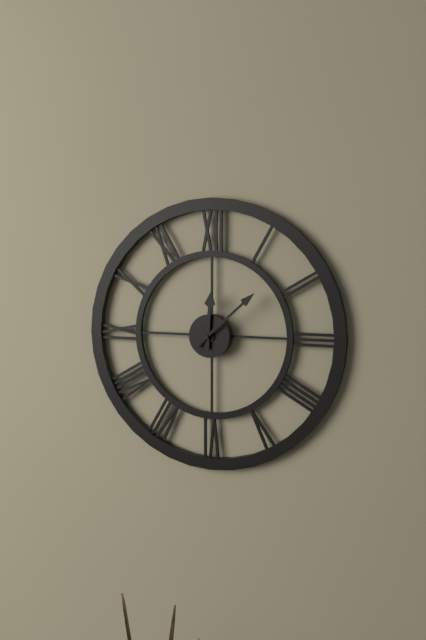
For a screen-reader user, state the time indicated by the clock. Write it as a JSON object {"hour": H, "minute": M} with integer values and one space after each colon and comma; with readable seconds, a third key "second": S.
{"hour": 12, "minute": 8}
